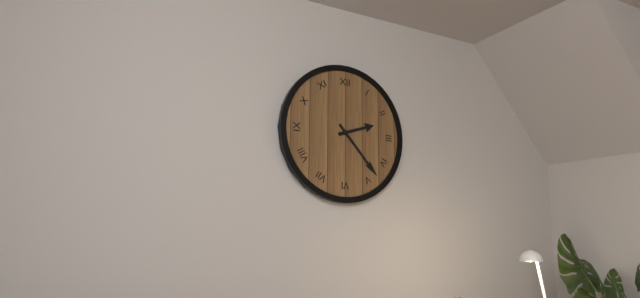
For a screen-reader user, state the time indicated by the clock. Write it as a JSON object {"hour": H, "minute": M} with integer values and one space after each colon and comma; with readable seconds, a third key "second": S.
{"hour": 2, "minute": 23}
